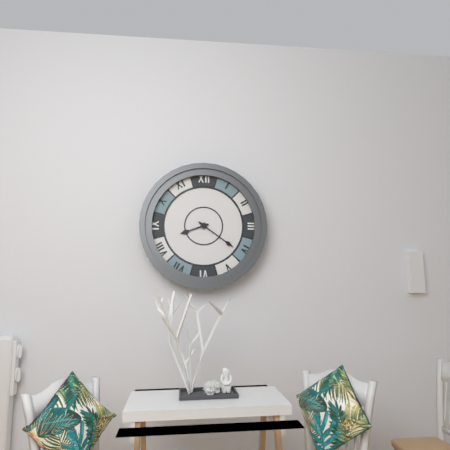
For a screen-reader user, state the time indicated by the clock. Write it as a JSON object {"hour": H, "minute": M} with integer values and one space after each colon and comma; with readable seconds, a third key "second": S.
{"hour": 8, "minute": 21}
